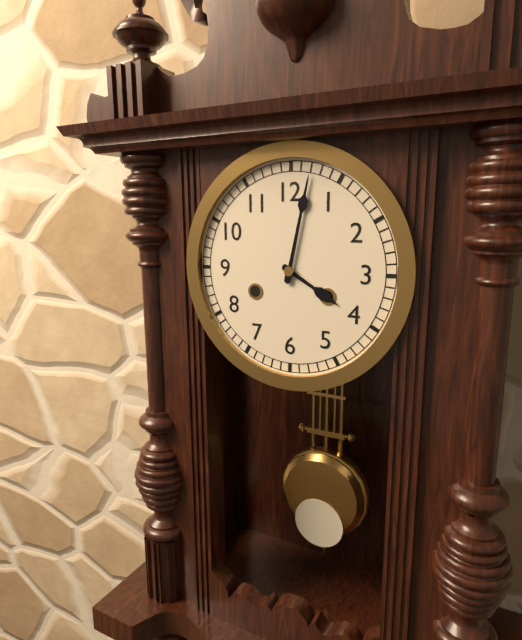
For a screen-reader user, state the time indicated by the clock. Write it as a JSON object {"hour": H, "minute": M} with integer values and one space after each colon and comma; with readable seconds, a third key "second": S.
{"hour": 4, "minute": 2}
